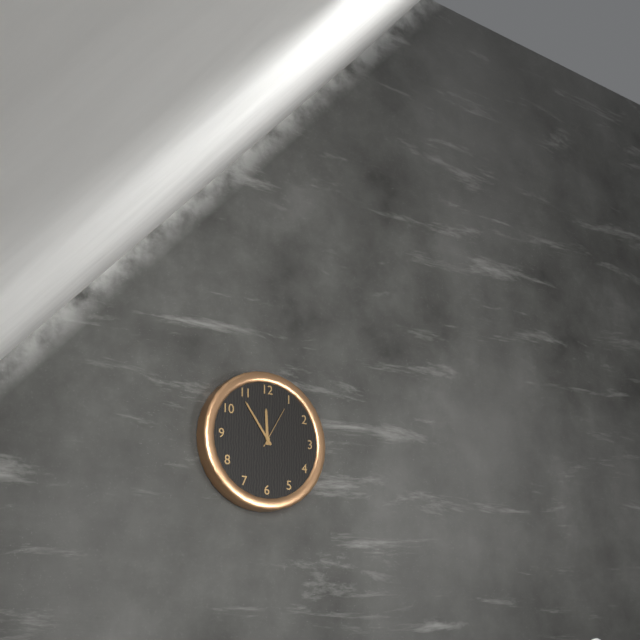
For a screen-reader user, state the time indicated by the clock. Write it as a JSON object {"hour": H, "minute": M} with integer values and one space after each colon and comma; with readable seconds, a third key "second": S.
{"hour": 11, "minute": 54}
